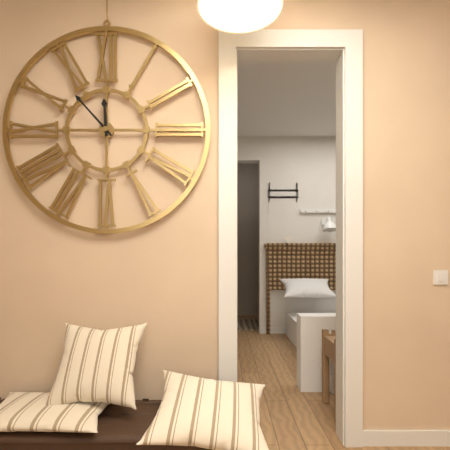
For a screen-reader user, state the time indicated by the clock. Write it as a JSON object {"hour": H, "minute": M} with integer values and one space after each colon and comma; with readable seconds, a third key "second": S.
{"hour": 11, "minute": 53}
